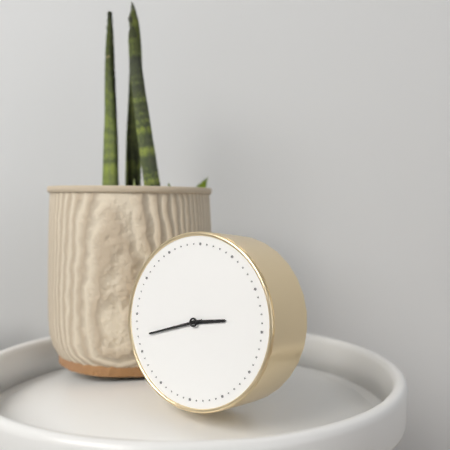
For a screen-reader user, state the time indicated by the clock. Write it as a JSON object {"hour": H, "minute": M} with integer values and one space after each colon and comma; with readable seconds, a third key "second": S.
{"hour": 2, "minute": 42}
